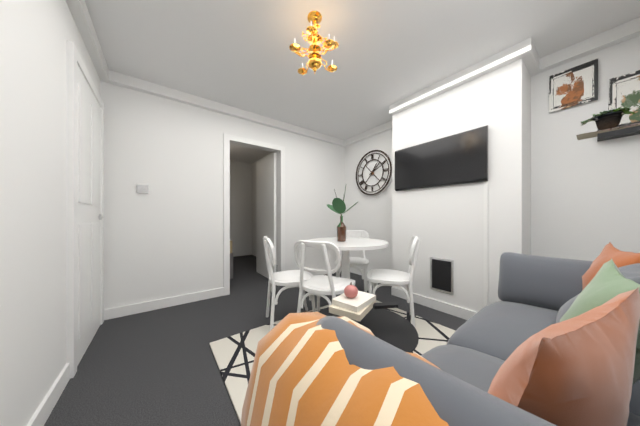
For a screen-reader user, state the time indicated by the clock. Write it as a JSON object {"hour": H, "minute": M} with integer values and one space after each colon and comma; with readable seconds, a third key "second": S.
{"hour": 1, "minute": 11}
